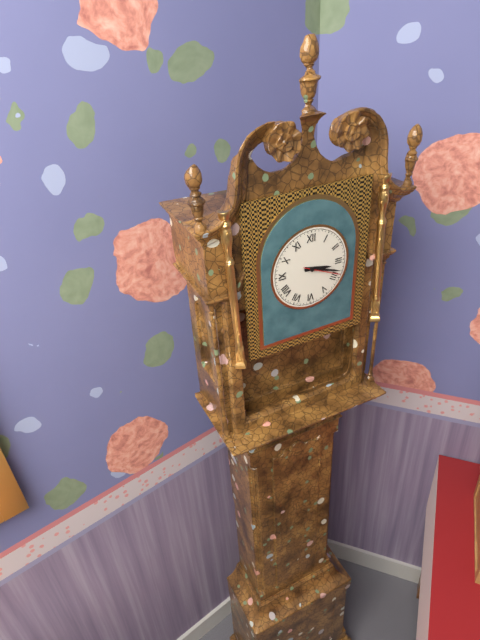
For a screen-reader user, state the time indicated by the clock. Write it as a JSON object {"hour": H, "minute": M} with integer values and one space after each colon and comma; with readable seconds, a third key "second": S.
{"hour": 3, "minute": 18}
